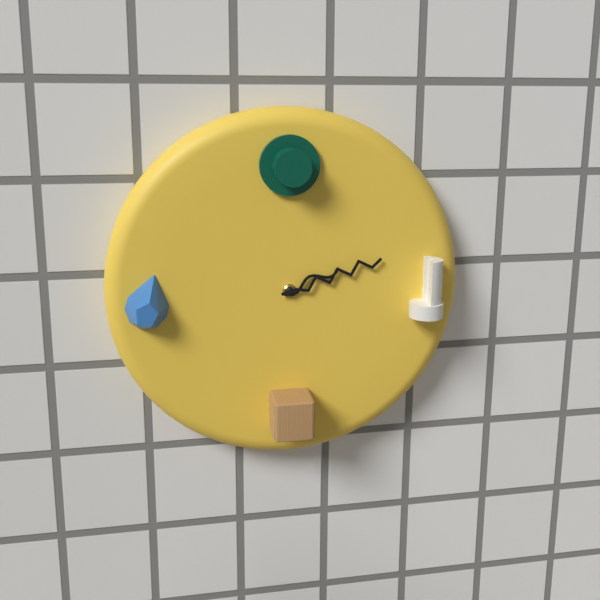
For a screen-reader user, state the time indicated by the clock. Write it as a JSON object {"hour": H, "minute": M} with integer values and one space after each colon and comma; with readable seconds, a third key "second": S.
{"hour": 2, "minute": 12}
